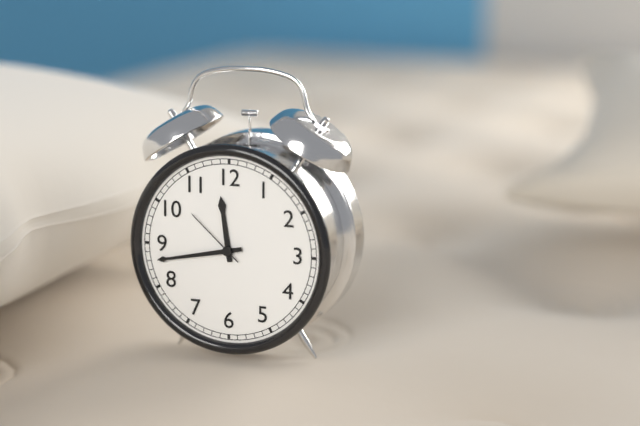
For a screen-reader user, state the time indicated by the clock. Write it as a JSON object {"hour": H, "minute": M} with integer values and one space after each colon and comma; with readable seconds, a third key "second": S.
{"hour": 11, "minute": 43, "second": 52}
